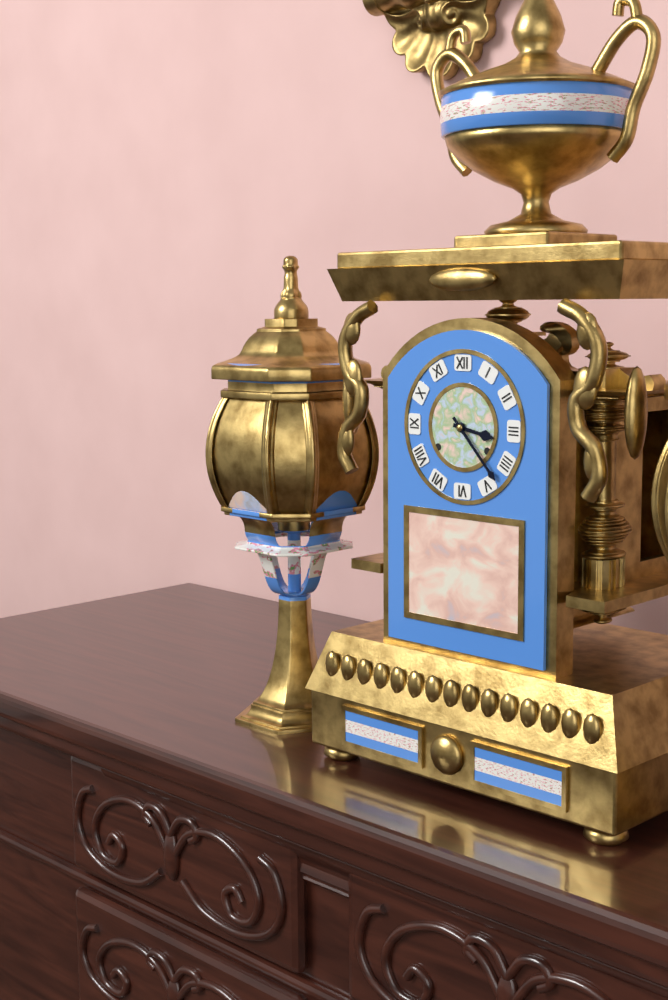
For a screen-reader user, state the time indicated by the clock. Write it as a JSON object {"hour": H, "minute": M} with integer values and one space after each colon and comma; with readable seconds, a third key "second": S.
{"hour": 3, "minute": 23}
